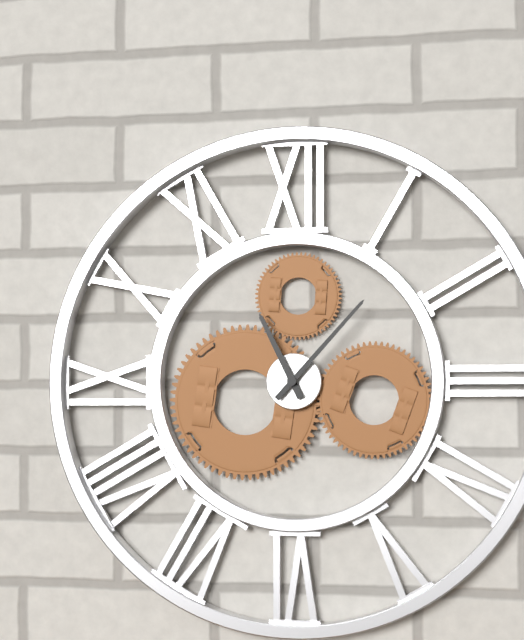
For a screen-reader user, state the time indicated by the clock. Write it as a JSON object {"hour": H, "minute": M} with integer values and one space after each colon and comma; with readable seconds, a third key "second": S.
{"hour": 11, "minute": 7}
